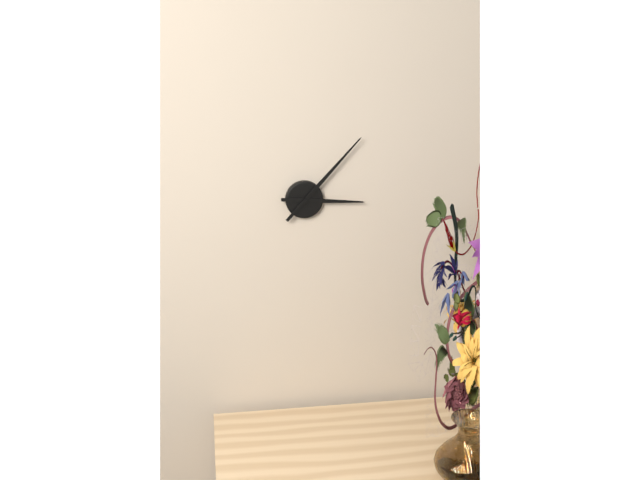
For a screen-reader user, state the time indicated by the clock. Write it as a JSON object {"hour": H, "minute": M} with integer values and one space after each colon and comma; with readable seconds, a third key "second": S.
{"hour": 3, "minute": 7}
